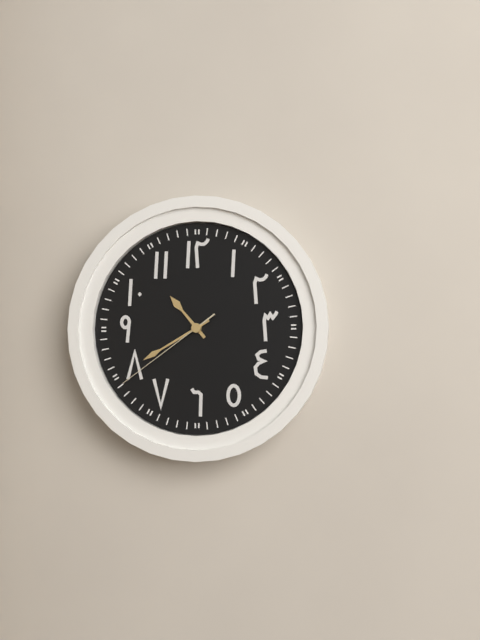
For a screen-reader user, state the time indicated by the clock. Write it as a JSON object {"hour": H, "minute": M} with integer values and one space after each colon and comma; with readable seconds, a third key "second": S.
{"hour": 10, "minute": 40, "second": 39}
